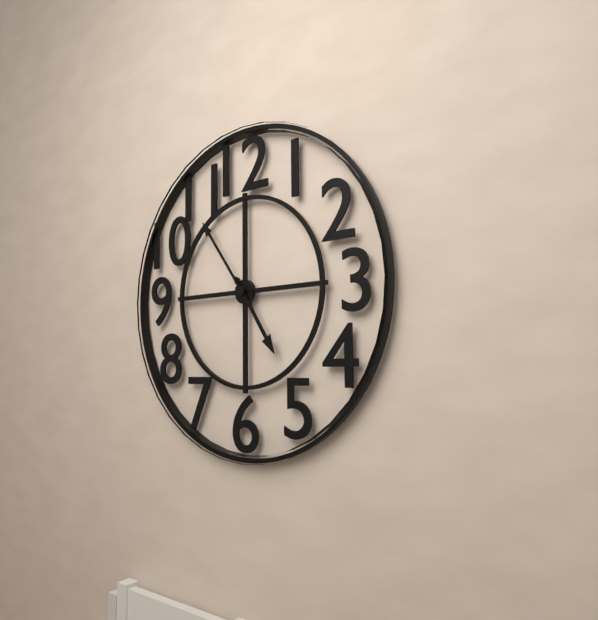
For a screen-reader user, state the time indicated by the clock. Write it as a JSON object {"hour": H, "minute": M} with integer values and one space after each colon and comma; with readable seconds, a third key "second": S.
{"hour": 4, "minute": 54}
